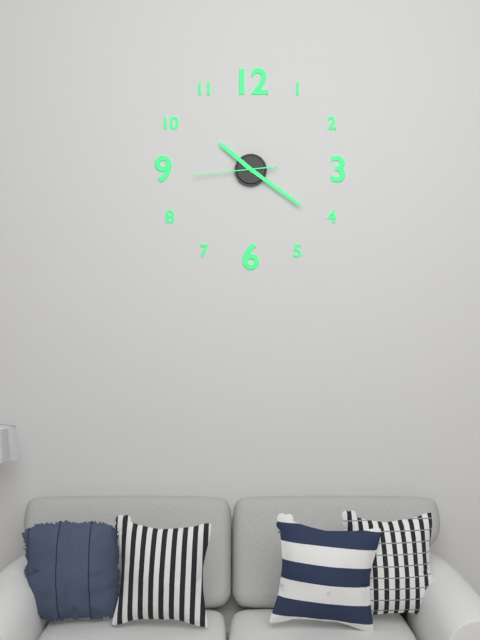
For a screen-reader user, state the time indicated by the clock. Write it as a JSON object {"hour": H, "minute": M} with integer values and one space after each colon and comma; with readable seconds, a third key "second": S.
{"hour": 10, "minute": 21, "second": 44}
